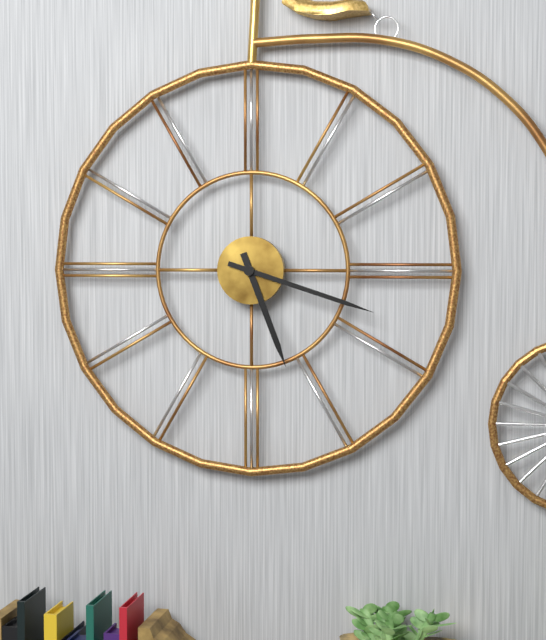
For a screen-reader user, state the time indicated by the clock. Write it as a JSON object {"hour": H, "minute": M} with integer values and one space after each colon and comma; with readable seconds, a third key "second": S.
{"hour": 5, "minute": 18}
